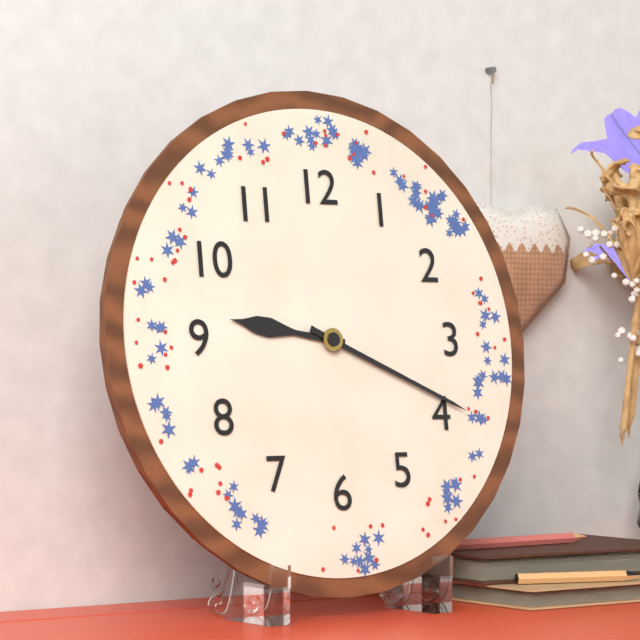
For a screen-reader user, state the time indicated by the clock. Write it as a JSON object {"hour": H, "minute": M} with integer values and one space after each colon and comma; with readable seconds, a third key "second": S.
{"hour": 9, "minute": 19}
